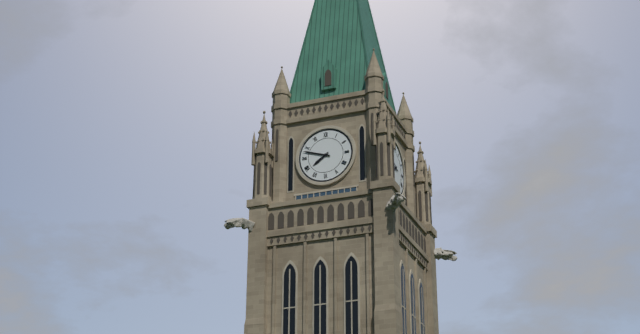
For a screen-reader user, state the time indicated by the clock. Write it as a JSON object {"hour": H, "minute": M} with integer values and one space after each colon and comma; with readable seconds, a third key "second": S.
{"hour": 7, "minute": 48}
